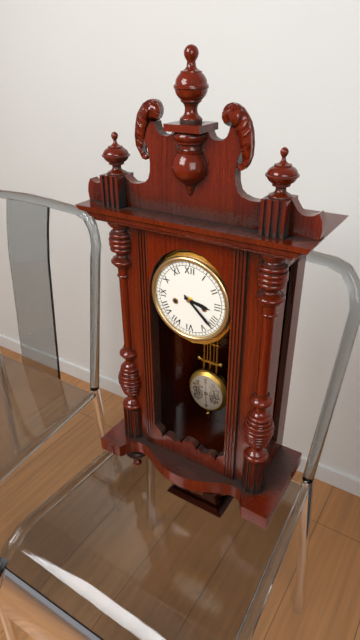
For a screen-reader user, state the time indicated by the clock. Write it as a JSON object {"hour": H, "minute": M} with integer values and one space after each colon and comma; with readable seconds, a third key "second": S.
{"hour": 3, "minute": 22}
